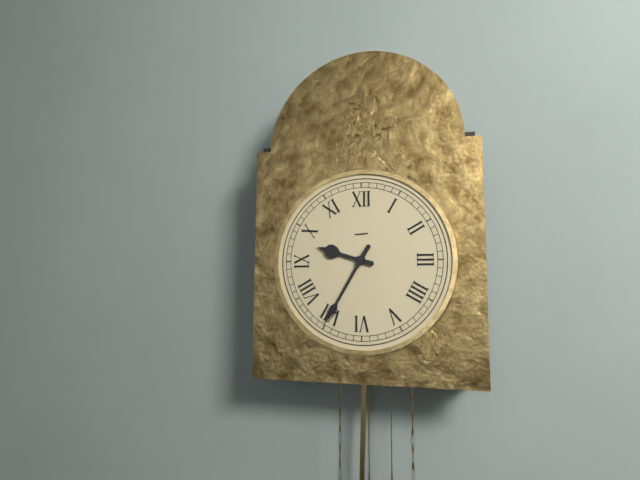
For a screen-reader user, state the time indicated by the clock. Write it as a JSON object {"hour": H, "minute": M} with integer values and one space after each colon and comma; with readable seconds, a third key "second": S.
{"hour": 9, "minute": 35}
